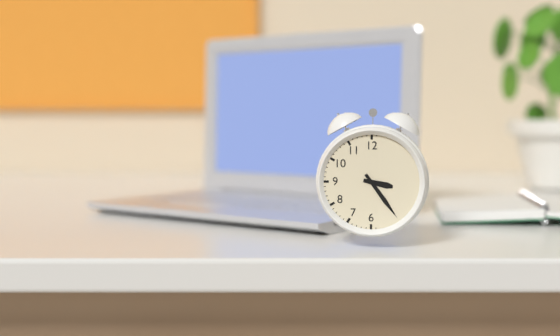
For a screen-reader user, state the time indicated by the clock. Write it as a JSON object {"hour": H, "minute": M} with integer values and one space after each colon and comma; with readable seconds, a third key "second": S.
{"hour": 3, "minute": 24}
